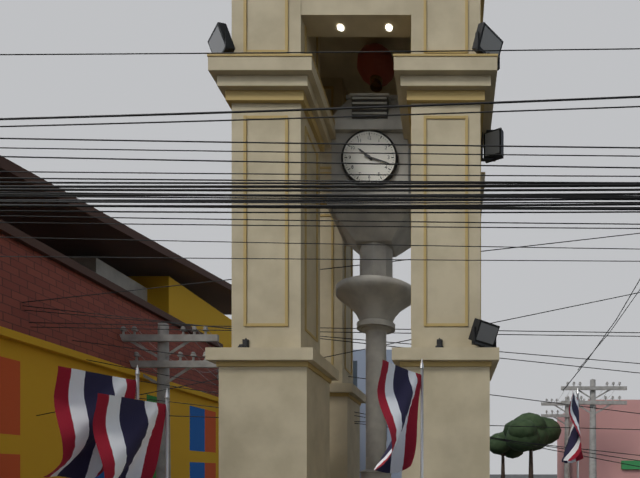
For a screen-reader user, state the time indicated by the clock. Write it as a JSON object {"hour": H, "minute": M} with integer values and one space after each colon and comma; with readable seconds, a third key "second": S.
{"hour": 10, "minute": 18}
